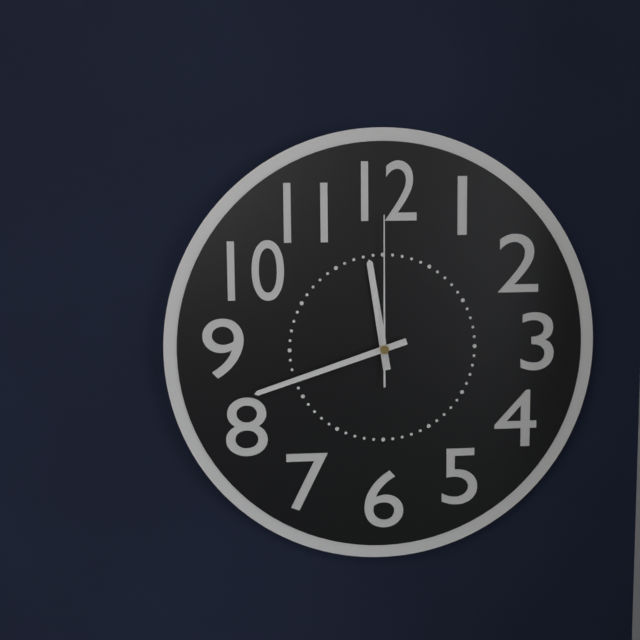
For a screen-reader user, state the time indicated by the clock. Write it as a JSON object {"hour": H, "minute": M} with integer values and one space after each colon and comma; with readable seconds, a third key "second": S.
{"hour": 11, "minute": 42, "second": 0}
